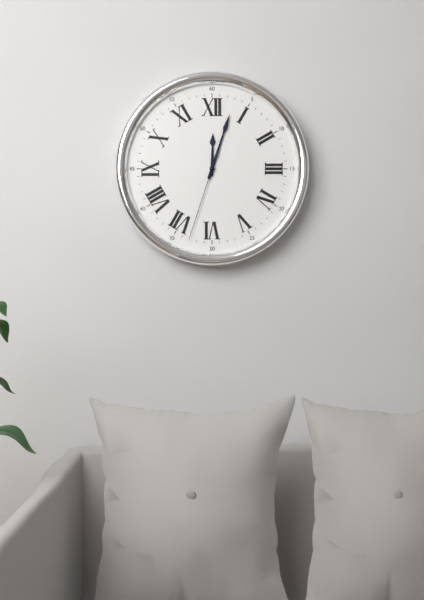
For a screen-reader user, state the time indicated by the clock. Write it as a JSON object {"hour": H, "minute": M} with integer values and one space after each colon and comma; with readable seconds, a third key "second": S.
{"hour": 12, "minute": 3, "second": 33}
